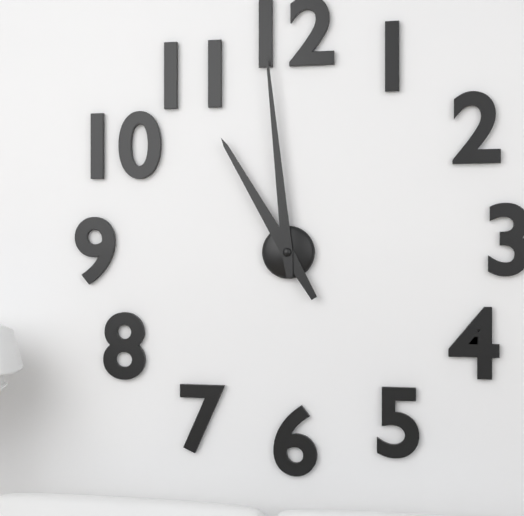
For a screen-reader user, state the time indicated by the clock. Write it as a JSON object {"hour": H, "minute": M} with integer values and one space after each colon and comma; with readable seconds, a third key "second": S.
{"hour": 10, "minute": 59}
